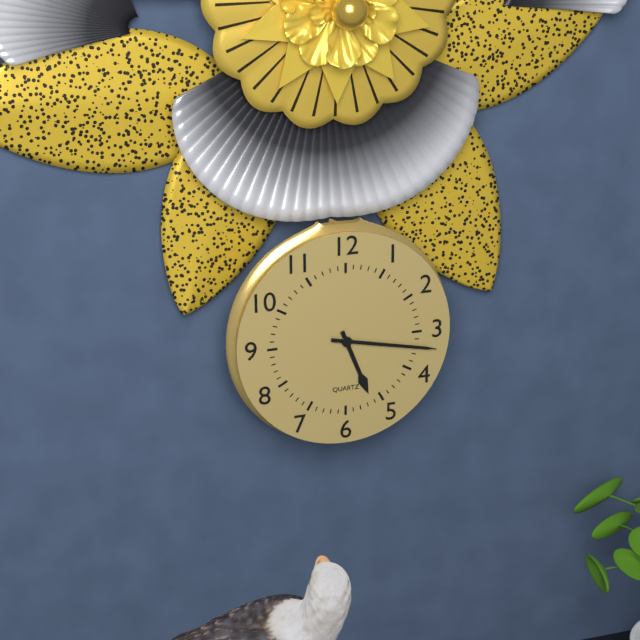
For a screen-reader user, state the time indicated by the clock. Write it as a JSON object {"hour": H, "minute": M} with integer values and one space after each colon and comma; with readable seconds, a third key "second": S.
{"hour": 5, "minute": 17}
